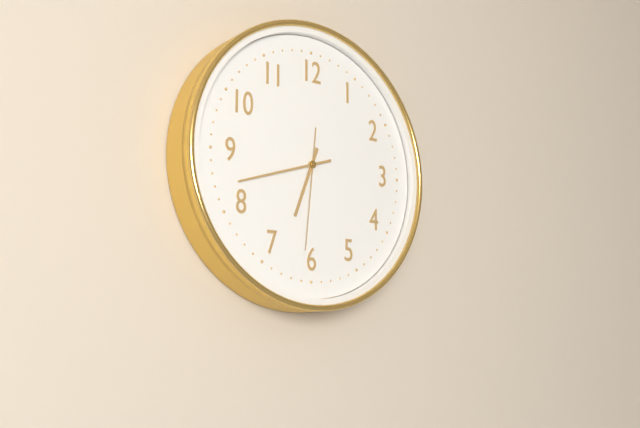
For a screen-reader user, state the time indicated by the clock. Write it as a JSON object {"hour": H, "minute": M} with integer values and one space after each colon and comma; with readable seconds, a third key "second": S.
{"hour": 6, "minute": 42, "second": 31}
